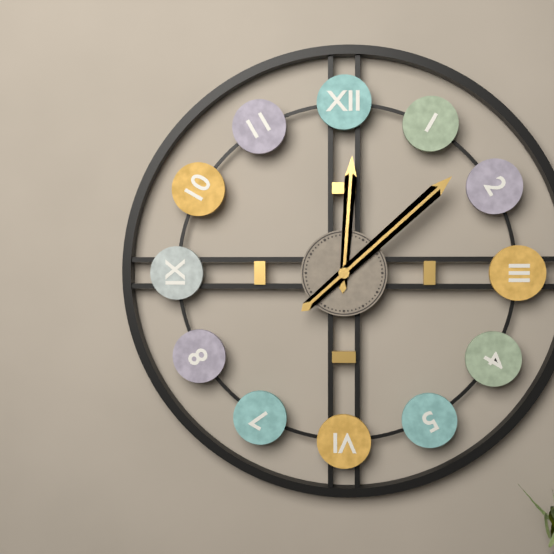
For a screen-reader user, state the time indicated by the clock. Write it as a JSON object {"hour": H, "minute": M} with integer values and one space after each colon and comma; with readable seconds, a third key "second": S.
{"hour": 12, "minute": 8}
